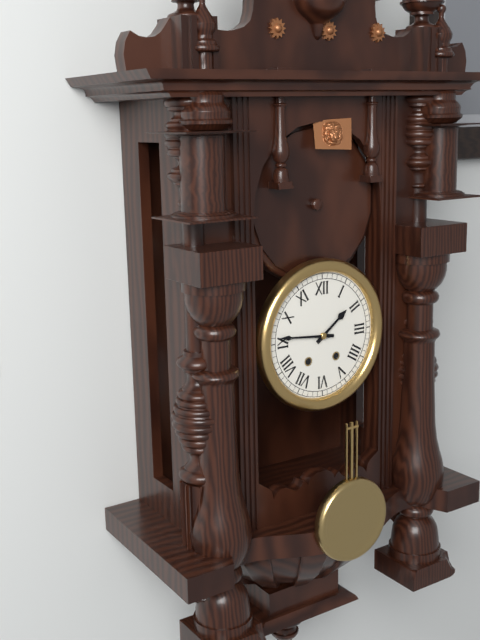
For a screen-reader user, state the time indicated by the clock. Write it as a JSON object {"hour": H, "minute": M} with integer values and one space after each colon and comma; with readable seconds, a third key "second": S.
{"hour": 1, "minute": 46}
